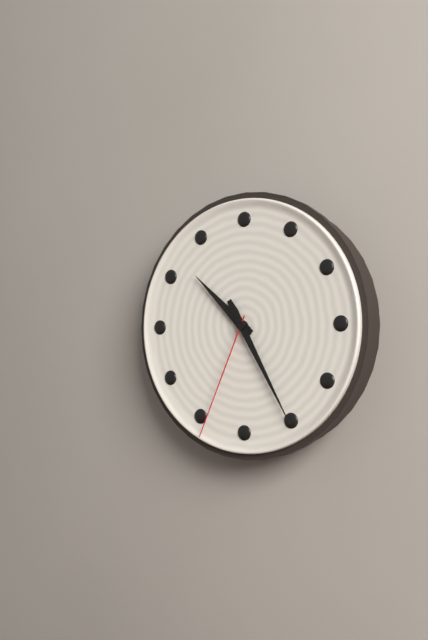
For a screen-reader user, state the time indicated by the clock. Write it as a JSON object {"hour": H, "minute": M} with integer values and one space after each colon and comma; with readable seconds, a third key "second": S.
{"hour": 10, "minute": 25, "second": 34}
